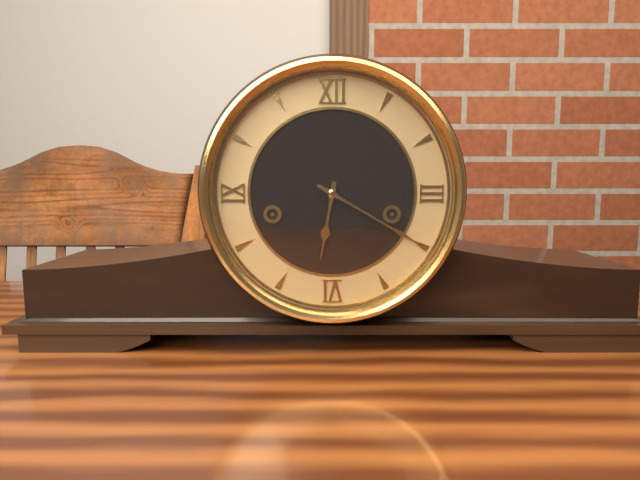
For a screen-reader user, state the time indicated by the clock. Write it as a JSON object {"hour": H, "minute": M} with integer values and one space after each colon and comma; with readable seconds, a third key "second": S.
{"hour": 6, "minute": 20}
